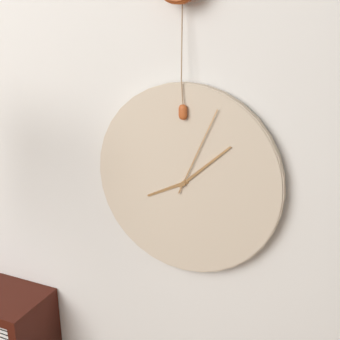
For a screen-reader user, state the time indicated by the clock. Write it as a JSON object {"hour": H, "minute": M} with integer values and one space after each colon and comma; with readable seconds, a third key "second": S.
{"hour": 8, "minute": 8, "second": 4}
